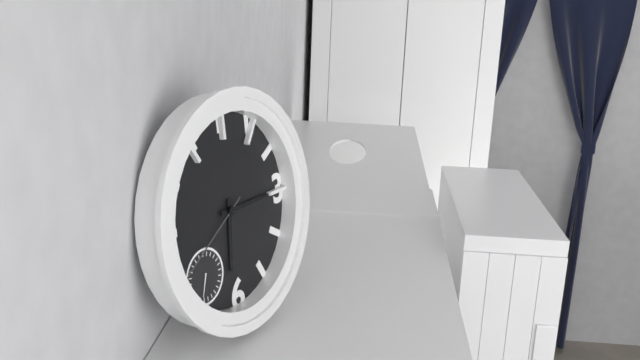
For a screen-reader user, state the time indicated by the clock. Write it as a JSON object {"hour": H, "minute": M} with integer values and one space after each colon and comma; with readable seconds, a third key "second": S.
{"hour": 6, "minute": 15, "second": 40}
